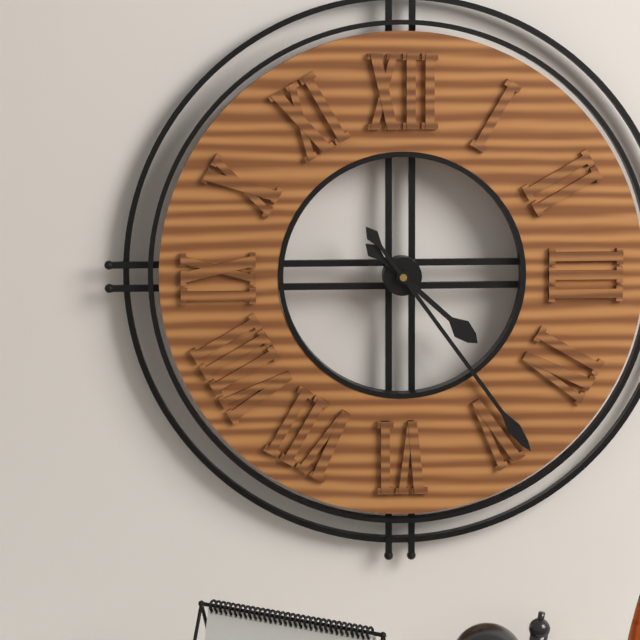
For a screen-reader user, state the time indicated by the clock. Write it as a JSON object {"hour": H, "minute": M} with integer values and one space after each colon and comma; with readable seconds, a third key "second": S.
{"hour": 4, "minute": 24}
